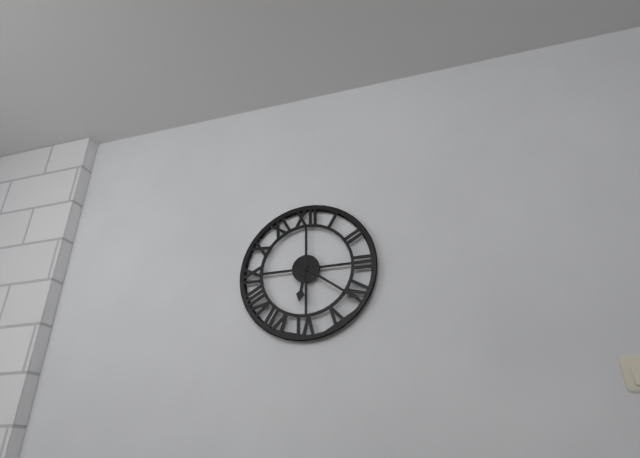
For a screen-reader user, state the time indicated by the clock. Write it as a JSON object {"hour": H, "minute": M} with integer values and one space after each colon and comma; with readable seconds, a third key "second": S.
{"hour": 6, "minute": 21}
